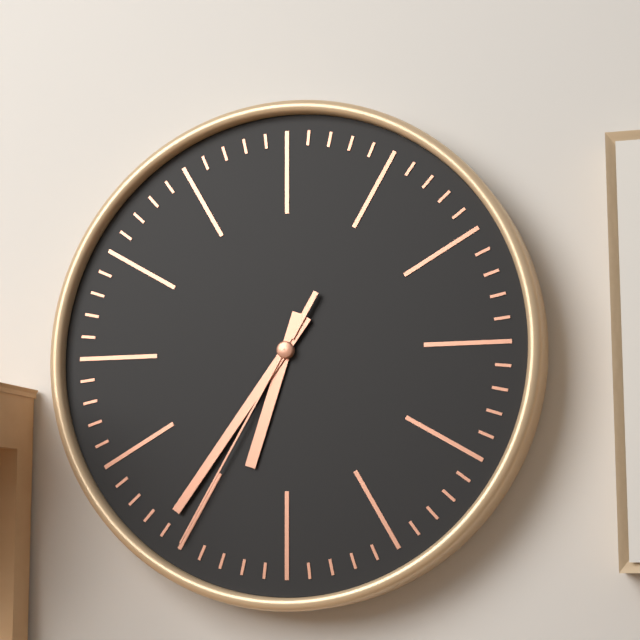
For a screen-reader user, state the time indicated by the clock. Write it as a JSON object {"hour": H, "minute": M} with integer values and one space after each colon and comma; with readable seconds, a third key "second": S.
{"hour": 6, "minute": 36, "second": 35}
